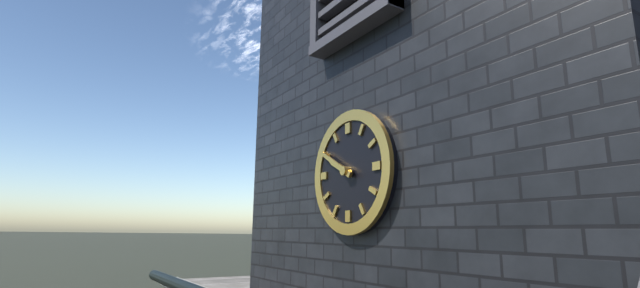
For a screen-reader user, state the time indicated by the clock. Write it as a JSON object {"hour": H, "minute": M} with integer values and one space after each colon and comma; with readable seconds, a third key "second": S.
{"hour": 9, "minute": 50}
